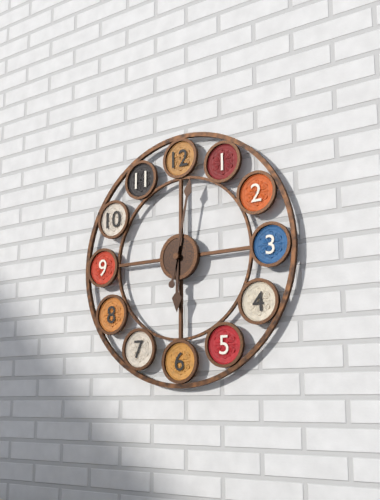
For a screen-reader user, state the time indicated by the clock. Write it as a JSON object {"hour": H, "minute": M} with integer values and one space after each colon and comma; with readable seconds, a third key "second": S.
{"hour": 6, "minute": 2}
